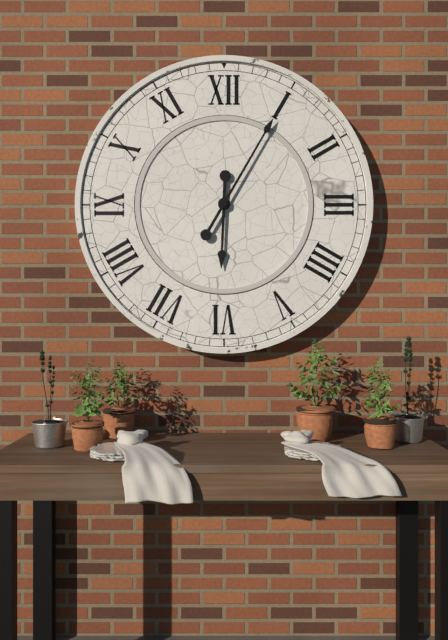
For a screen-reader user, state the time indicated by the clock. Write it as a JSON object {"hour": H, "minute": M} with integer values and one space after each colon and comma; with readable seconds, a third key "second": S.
{"hour": 6, "minute": 5}
